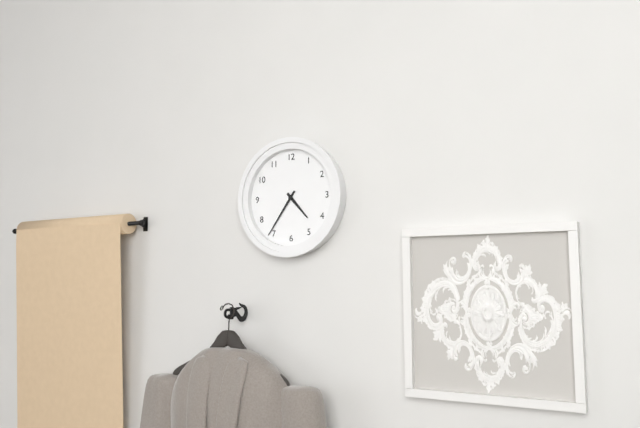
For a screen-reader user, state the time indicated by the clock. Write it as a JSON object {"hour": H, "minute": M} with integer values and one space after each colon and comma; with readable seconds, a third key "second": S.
{"hour": 4, "minute": 36}
